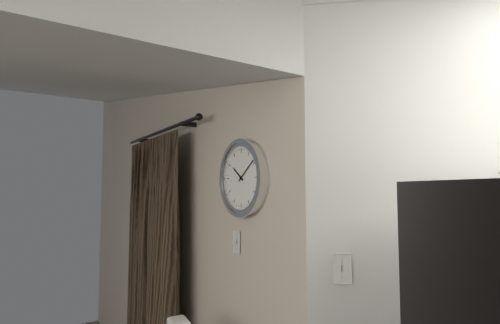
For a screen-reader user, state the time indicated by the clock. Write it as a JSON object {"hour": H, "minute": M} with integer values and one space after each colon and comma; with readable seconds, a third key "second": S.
{"hour": 10, "minute": 9}
